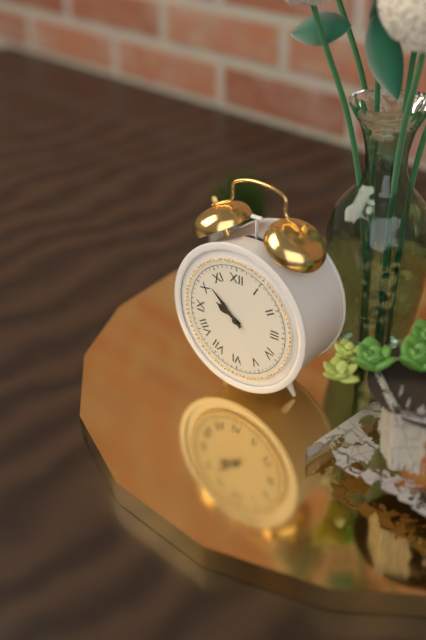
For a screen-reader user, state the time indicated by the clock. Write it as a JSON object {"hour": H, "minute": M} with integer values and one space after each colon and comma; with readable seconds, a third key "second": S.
{"hour": 9, "minute": 52}
